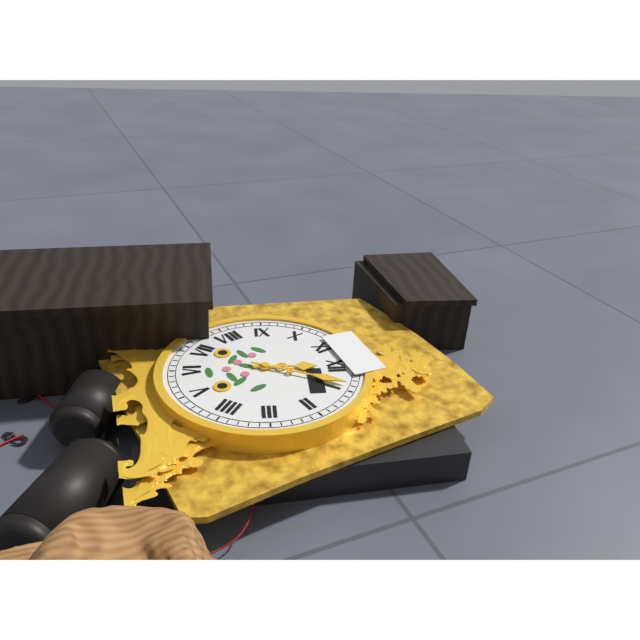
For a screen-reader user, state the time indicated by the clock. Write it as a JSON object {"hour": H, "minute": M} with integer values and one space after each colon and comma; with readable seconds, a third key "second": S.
{"hour": 12, "minute": 4}
